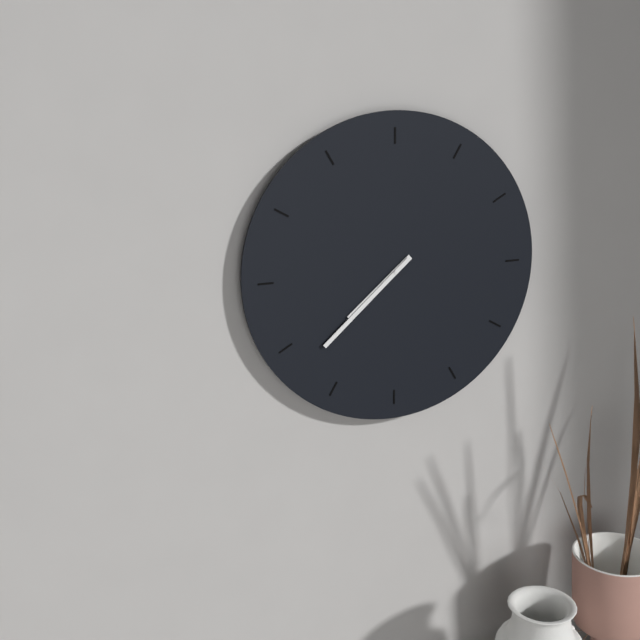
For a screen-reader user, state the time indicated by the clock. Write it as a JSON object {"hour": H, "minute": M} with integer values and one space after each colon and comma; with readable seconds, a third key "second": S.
{"hour": 7, "minute": 38}
